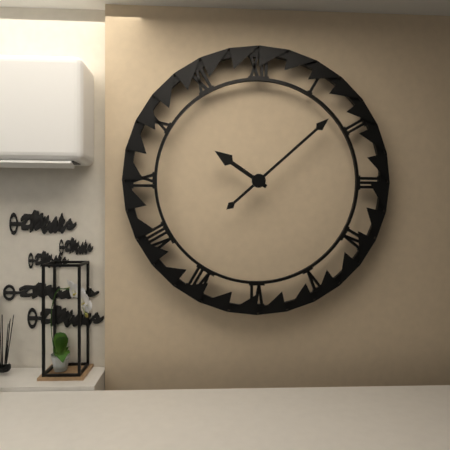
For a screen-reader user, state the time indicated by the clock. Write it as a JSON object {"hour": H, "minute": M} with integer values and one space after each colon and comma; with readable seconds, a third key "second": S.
{"hour": 10, "minute": 8}
